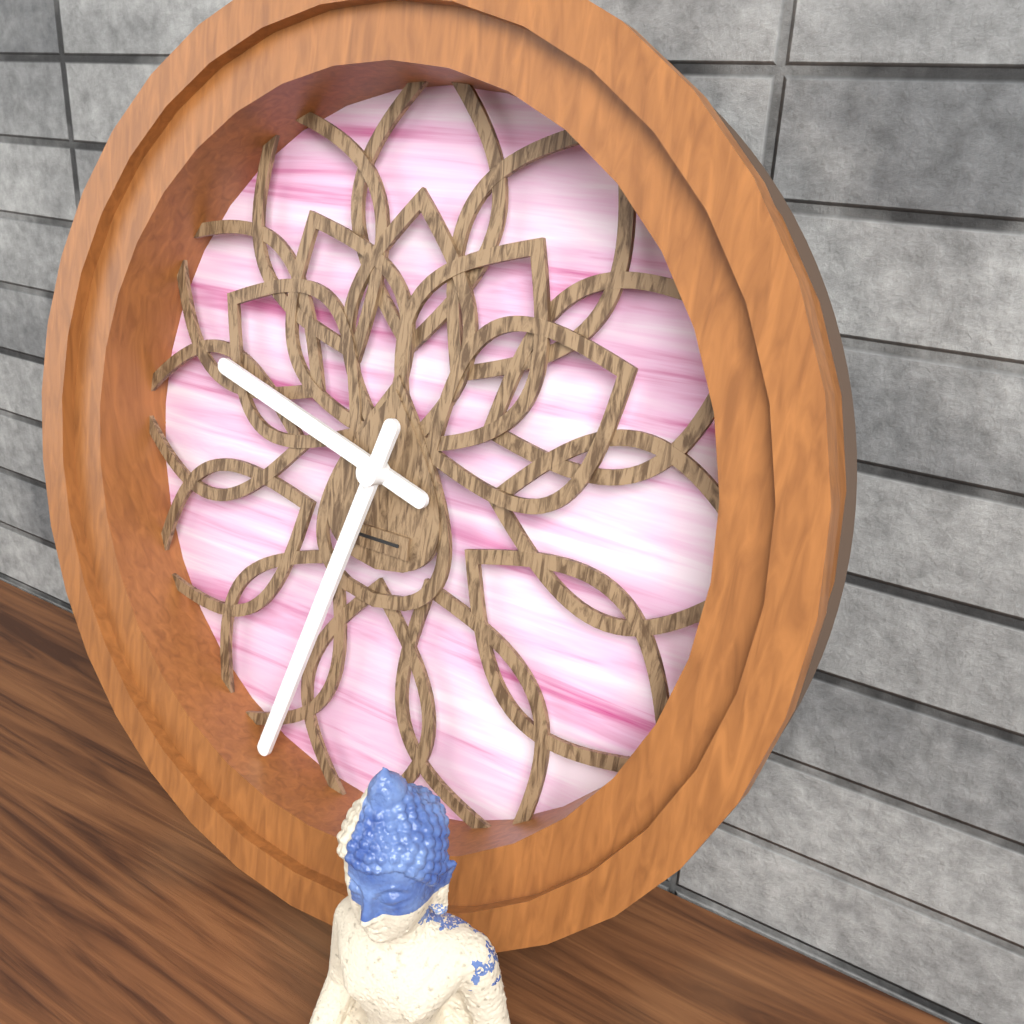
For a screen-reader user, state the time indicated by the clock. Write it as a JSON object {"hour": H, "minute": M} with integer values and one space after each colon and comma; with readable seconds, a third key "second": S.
{"hour": 9, "minute": 33}
